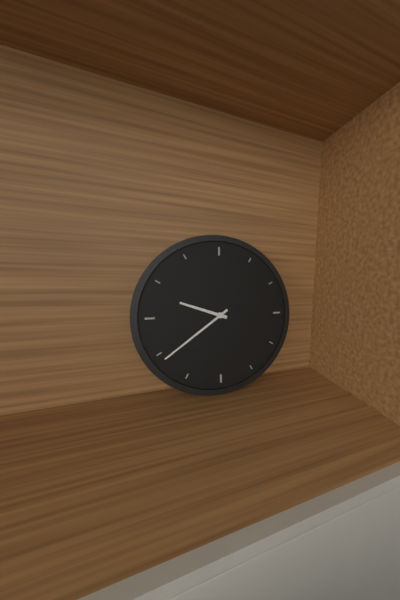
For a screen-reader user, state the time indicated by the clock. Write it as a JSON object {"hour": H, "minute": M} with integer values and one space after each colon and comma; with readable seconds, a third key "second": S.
{"hour": 9, "minute": 39}
